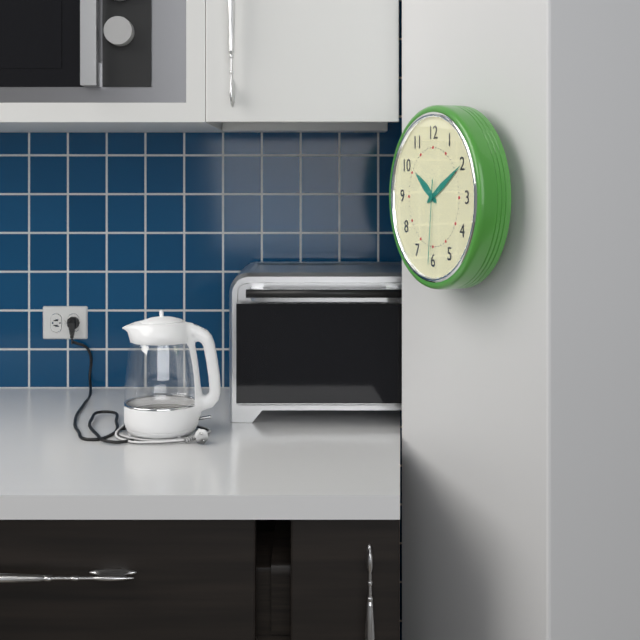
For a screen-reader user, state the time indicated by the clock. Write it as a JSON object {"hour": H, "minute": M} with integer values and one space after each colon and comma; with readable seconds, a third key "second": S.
{"hour": 10, "minute": 10, "second": 31}
